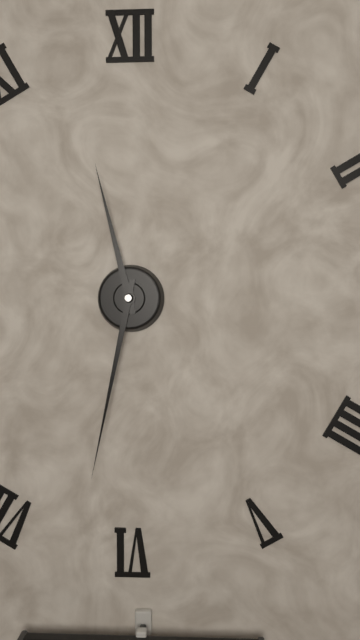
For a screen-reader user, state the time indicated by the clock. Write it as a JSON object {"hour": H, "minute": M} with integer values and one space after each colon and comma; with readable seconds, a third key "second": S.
{"hour": 11, "minute": 32}
